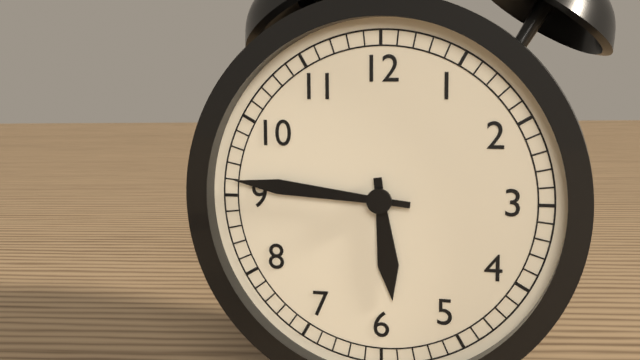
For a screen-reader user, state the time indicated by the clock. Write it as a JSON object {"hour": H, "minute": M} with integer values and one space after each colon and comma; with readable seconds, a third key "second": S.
{"hour": 5, "minute": 46}
